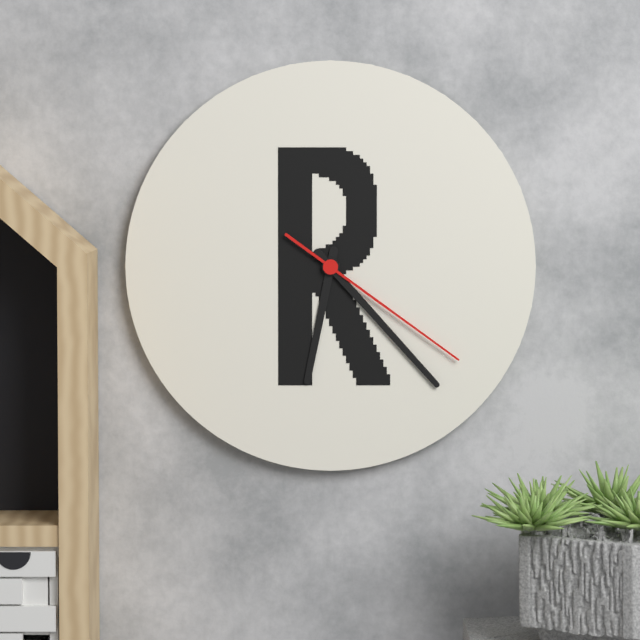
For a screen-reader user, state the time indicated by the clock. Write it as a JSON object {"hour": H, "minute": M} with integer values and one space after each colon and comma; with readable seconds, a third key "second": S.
{"hour": 6, "minute": 23, "second": 21}
